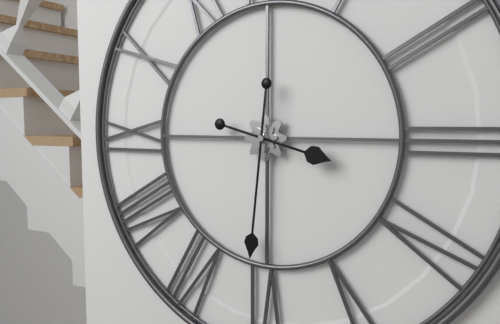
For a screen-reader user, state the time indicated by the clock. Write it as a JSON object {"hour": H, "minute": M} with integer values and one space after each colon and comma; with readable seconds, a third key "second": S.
{"hour": 3, "minute": 31}
